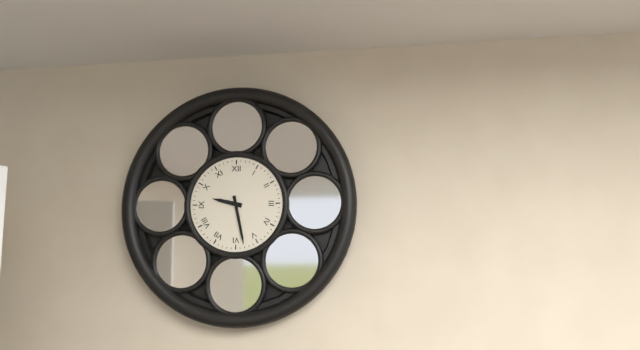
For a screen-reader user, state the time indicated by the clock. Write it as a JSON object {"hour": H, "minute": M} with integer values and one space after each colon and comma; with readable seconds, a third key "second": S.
{"hour": 9, "minute": 28}
